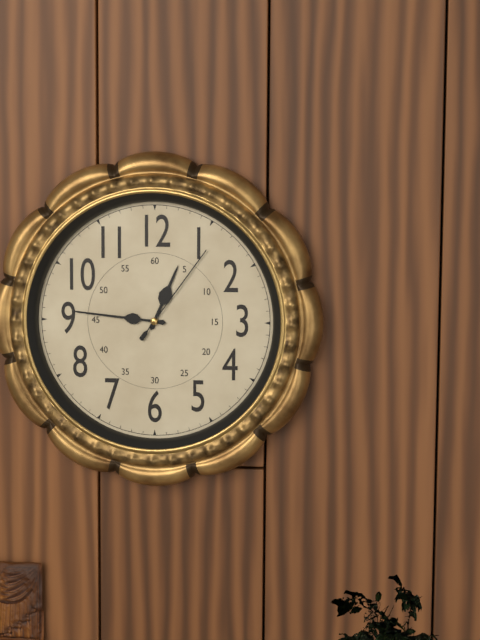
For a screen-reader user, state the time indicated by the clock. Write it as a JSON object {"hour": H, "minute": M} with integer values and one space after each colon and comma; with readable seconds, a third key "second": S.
{"hour": 12, "minute": 46, "second": 6}
